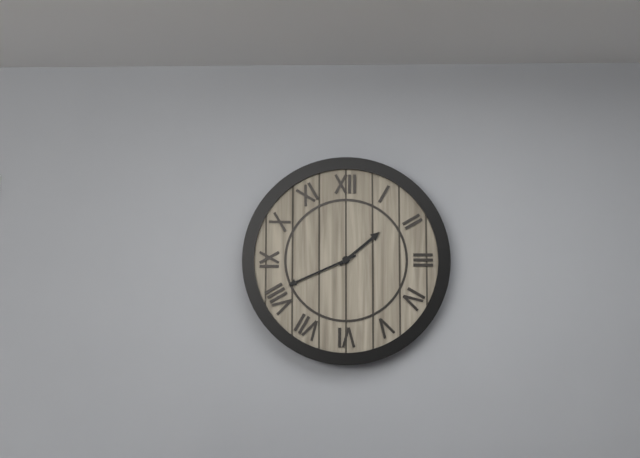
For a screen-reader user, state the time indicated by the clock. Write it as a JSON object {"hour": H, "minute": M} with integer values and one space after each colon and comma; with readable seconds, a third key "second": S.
{"hour": 1, "minute": 41}
